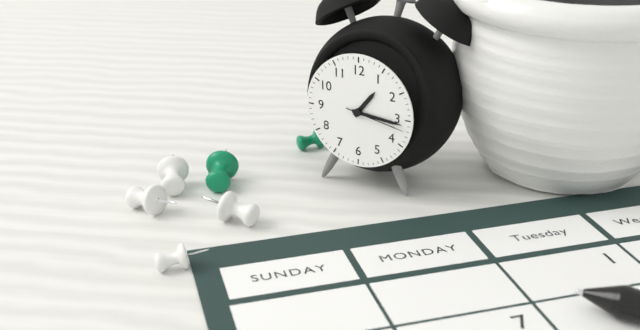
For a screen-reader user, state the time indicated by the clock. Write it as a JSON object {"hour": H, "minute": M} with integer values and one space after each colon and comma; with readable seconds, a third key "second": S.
{"hour": 1, "minute": 16, "second": 17}
